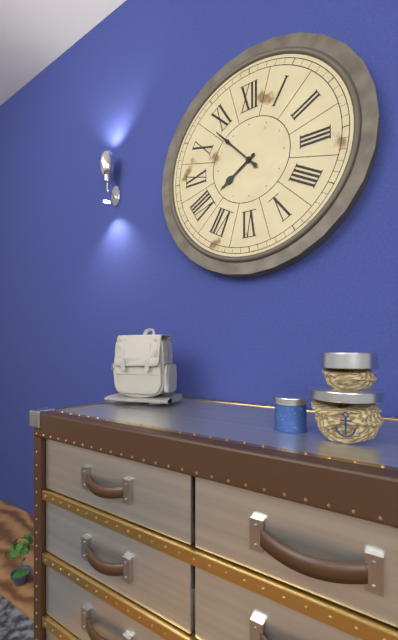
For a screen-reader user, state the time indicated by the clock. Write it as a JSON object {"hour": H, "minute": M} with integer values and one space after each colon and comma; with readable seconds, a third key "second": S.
{"hour": 7, "minute": 53}
